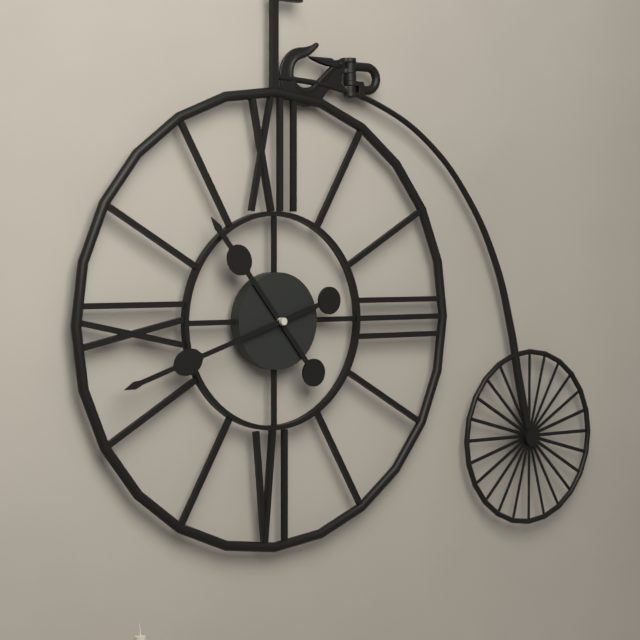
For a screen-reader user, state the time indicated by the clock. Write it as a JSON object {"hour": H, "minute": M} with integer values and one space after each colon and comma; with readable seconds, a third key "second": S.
{"hour": 10, "minute": 42}
